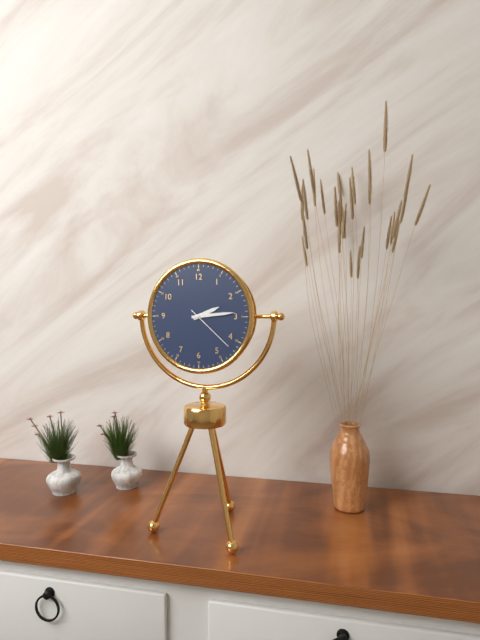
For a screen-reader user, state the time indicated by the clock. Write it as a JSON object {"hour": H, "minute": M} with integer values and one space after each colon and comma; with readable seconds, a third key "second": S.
{"hour": 2, "minute": 14, "second": 22}
